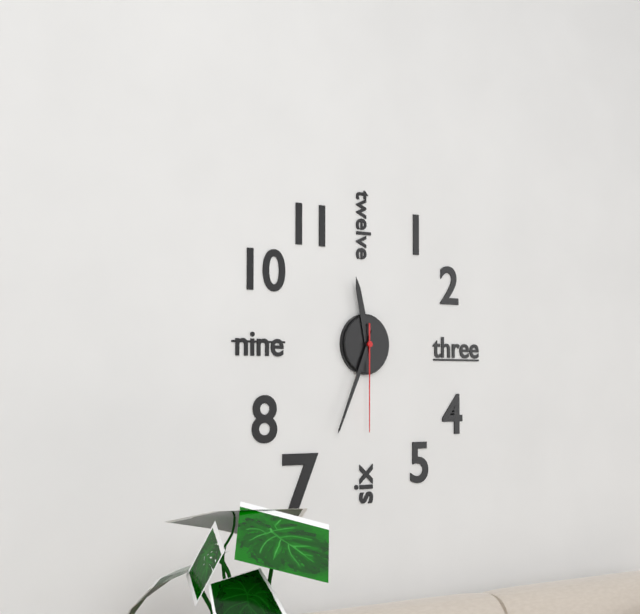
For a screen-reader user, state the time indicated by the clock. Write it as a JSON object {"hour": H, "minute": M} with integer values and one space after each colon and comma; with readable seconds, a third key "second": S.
{"hour": 11, "minute": 34, "second": 30}
